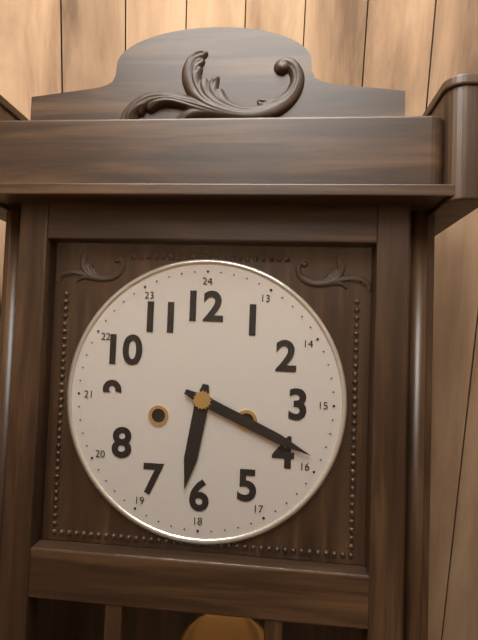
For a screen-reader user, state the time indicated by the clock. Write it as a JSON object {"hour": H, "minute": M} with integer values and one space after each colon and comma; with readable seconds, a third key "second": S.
{"hour": 6, "minute": 19}
